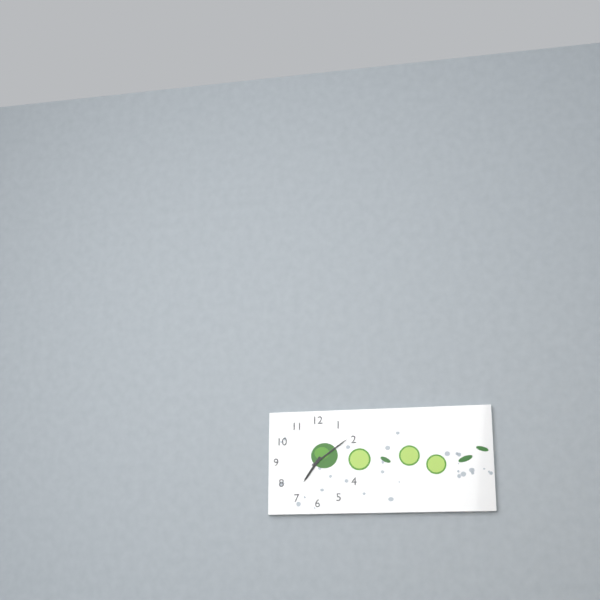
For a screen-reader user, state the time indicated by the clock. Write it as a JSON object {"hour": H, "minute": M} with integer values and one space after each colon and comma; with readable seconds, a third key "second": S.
{"hour": 7, "minute": 9}
